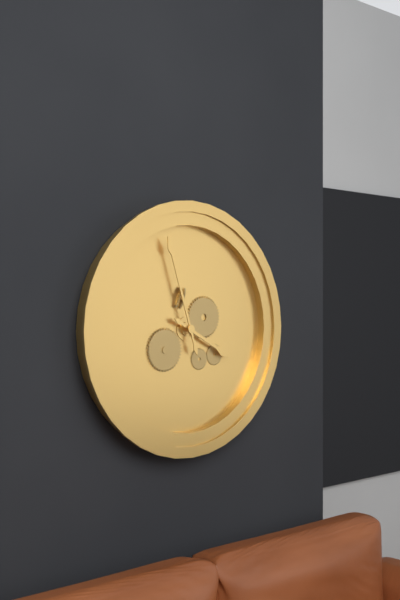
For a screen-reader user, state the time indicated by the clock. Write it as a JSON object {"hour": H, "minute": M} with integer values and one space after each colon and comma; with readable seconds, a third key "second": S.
{"hour": 3, "minute": 57}
